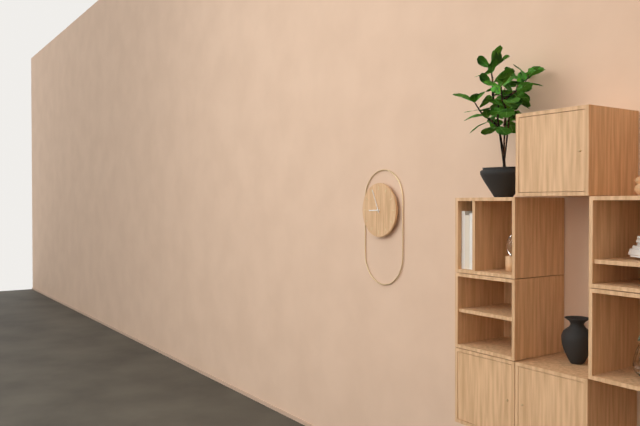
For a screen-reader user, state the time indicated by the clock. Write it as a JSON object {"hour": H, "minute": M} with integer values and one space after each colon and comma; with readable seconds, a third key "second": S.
{"hour": 8, "minute": 56}
